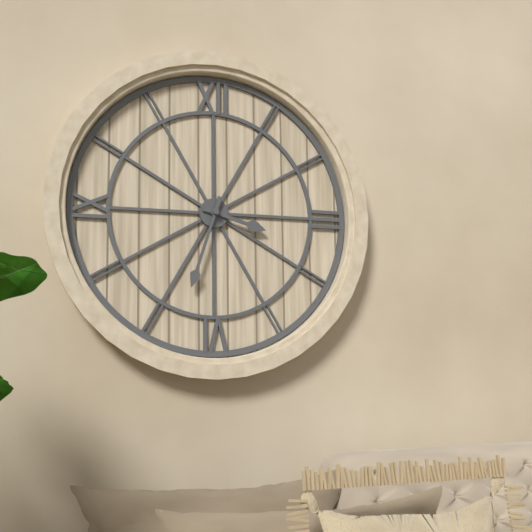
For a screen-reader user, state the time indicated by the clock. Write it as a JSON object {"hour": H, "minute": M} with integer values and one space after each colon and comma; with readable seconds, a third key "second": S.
{"hour": 3, "minute": 33}
